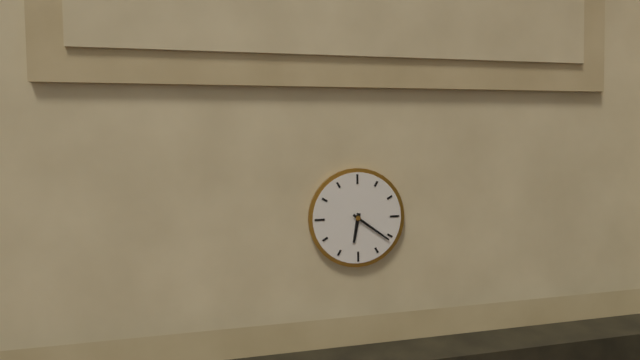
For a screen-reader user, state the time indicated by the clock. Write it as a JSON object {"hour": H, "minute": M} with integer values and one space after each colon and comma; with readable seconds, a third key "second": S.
{"hour": 6, "minute": 21}
